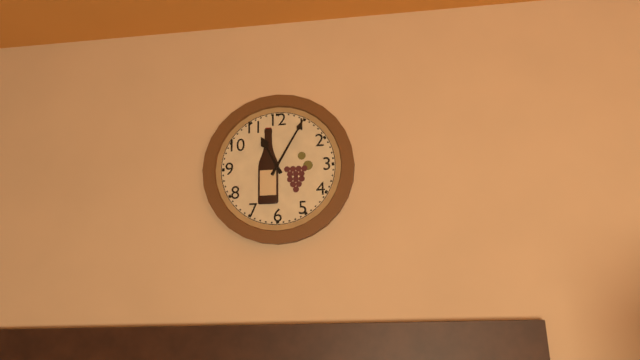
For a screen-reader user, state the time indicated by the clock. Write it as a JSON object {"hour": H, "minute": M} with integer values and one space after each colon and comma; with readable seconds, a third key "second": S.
{"hour": 11, "minute": 5}
